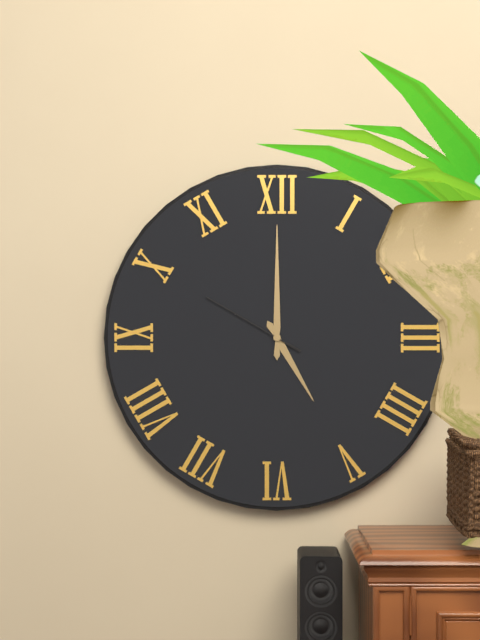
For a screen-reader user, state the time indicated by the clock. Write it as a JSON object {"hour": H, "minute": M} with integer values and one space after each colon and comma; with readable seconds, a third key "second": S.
{"hour": 5, "minute": 0, "second": 50}
